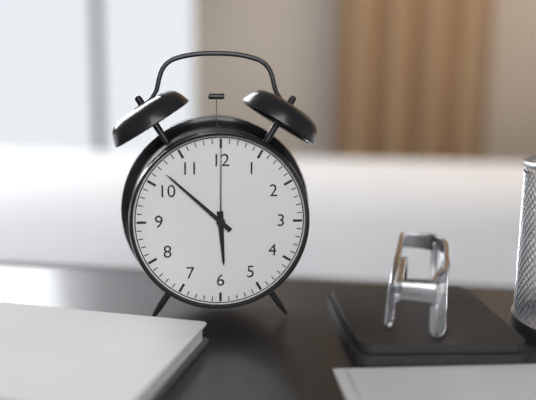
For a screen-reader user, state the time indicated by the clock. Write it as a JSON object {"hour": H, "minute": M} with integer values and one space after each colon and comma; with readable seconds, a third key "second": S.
{"hour": 5, "minute": 52, "second": 0}
